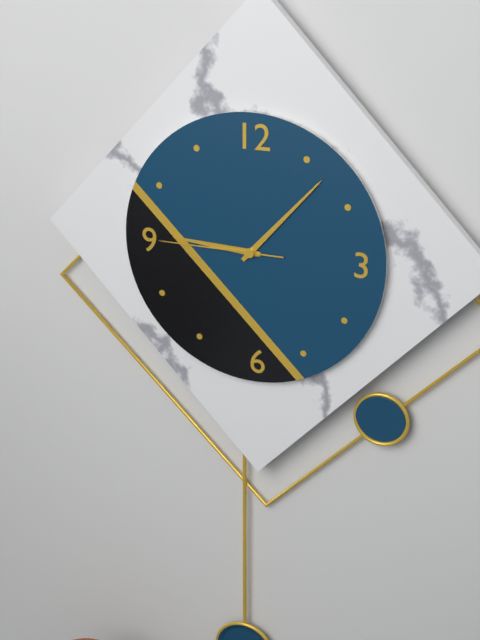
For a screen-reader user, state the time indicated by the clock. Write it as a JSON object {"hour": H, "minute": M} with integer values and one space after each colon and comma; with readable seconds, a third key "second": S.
{"hour": 9, "minute": 7, "second": 45}
